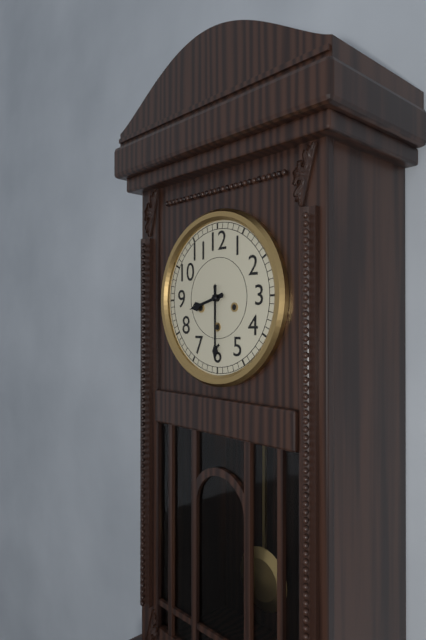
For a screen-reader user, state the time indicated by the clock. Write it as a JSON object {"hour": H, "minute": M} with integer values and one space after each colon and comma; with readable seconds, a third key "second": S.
{"hour": 8, "minute": 30}
